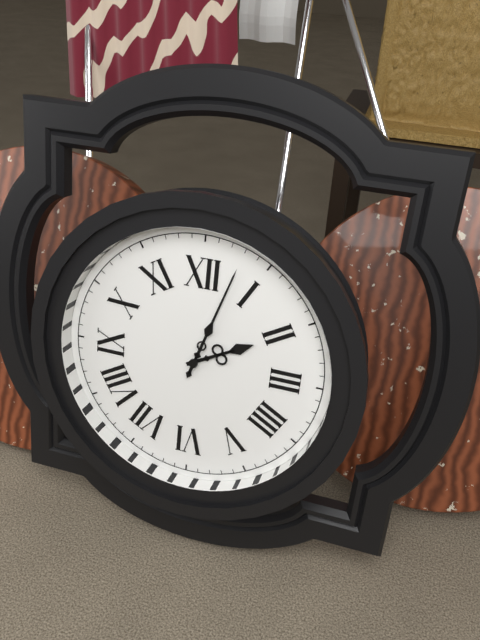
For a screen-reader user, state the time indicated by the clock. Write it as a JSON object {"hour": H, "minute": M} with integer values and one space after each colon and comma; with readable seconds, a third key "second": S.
{"hour": 2, "minute": 3}
